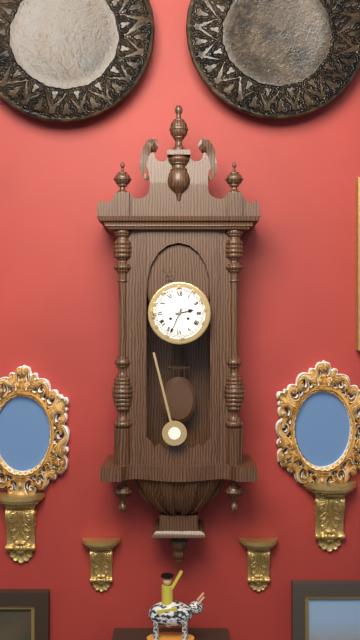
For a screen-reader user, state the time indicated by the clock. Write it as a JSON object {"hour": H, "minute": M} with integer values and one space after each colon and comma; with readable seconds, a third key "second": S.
{"hour": 2, "minute": 34}
